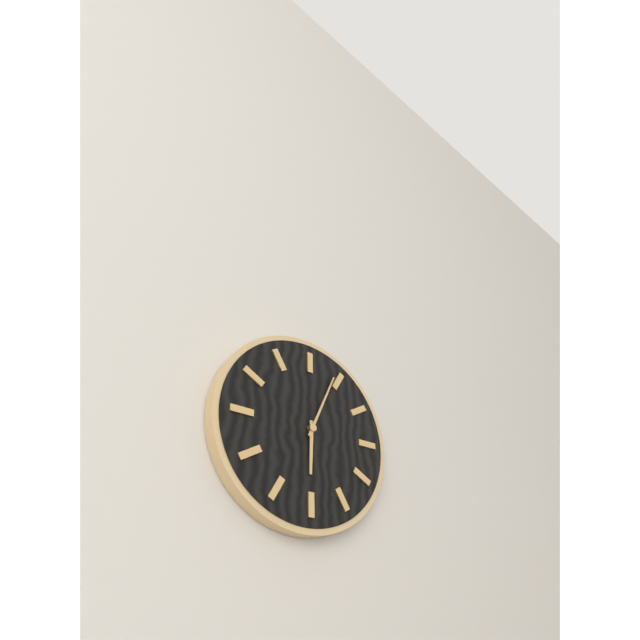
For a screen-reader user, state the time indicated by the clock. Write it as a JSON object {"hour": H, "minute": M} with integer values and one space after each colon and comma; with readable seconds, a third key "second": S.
{"hour": 6, "minute": 4}
